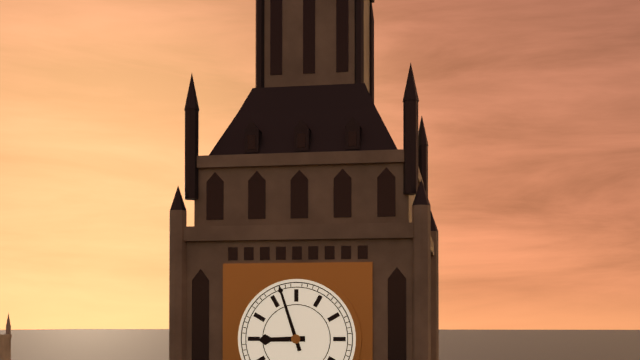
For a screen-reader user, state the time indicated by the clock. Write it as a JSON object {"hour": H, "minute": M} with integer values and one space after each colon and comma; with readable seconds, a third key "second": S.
{"hour": 8, "minute": 57}
